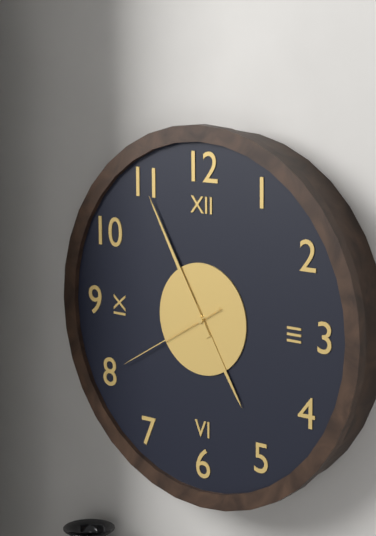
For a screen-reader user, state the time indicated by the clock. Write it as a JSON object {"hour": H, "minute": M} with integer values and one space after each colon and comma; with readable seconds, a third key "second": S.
{"hour": 4, "minute": 55, "second": 40}
